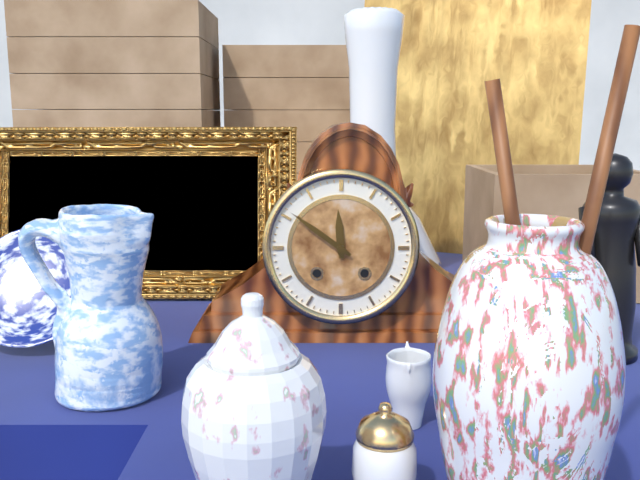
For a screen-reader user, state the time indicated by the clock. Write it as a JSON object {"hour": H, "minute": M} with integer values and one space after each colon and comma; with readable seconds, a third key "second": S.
{"hour": 11, "minute": 51}
